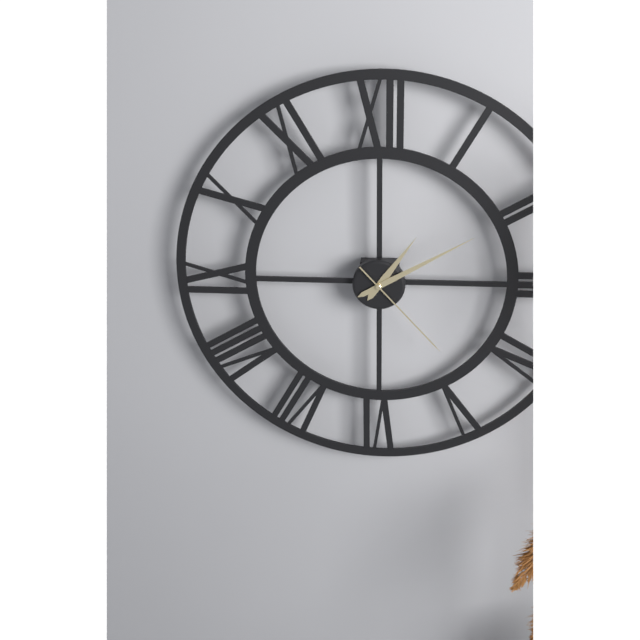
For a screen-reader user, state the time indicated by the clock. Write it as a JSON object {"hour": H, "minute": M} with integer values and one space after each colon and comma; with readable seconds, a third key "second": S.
{"hour": 1, "minute": 10, "second": 23}
